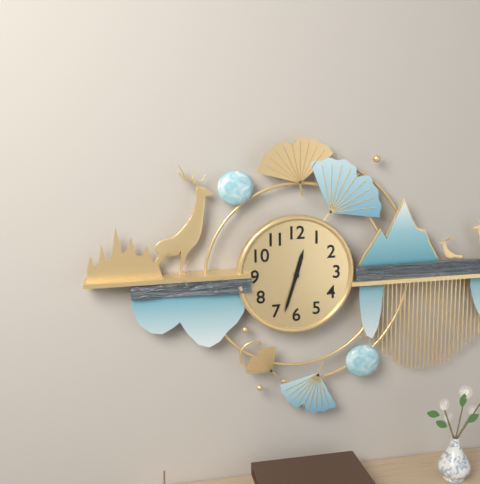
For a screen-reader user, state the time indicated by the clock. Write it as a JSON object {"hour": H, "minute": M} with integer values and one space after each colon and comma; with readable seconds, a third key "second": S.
{"hour": 12, "minute": 33}
